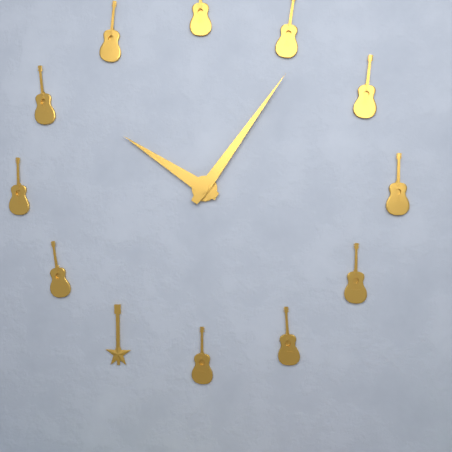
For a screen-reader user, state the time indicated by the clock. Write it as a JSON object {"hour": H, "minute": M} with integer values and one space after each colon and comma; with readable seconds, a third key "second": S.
{"hour": 10, "minute": 6}
